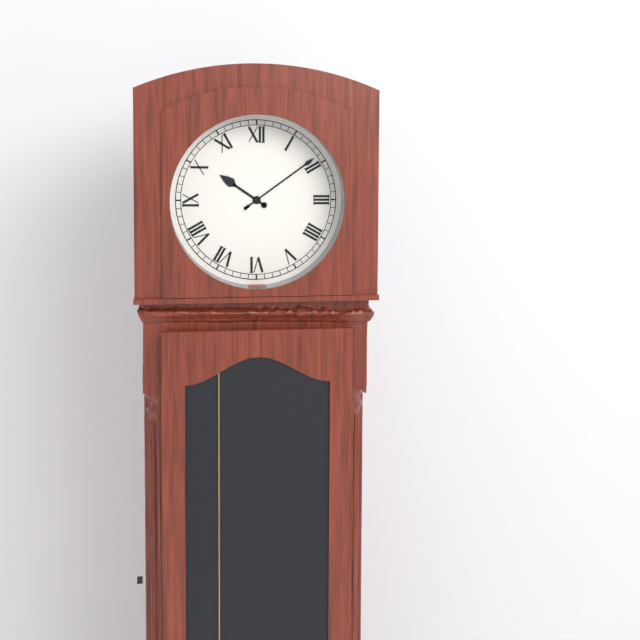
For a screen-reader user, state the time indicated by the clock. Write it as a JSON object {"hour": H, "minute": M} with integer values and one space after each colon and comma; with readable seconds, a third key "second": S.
{"hour": 10, "minute": 9}
